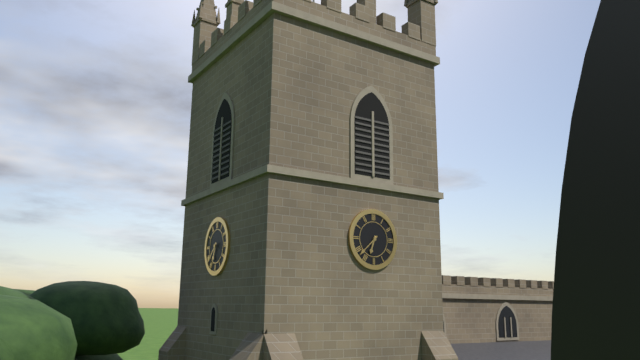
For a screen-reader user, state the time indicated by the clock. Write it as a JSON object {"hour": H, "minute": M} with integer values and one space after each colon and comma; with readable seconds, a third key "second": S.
{"hour": 6, "minute": 38}
